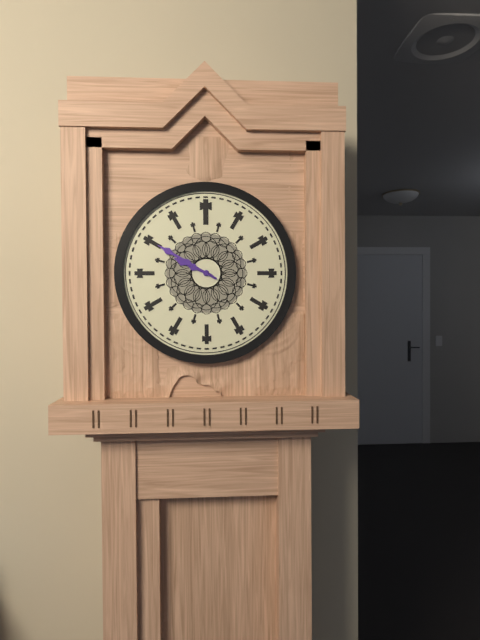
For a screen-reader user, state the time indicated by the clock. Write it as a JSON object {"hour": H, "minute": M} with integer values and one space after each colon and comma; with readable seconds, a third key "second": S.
{"hour": 9, "minute": 50}
